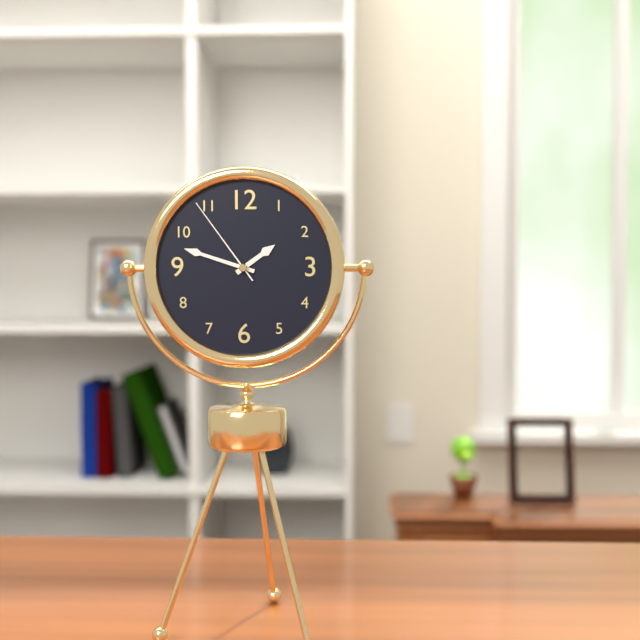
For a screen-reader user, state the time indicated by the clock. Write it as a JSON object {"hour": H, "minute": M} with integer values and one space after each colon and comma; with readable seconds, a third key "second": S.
{"hour": 1, "minute": 48, "second": 54}
